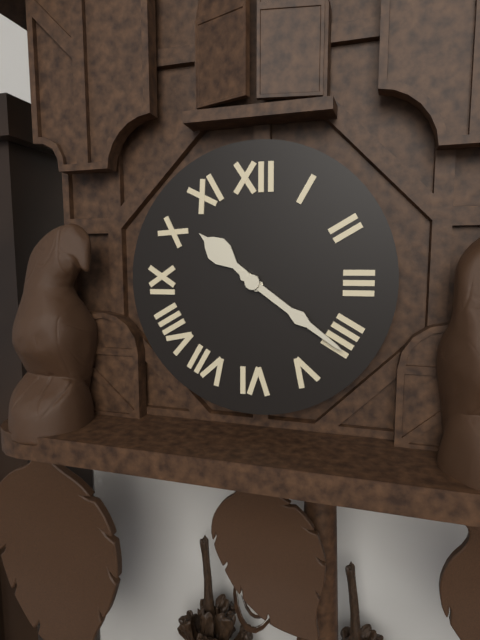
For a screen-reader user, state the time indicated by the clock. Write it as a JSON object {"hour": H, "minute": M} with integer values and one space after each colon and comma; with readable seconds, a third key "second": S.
{"hour": 10, "minute": 21}
